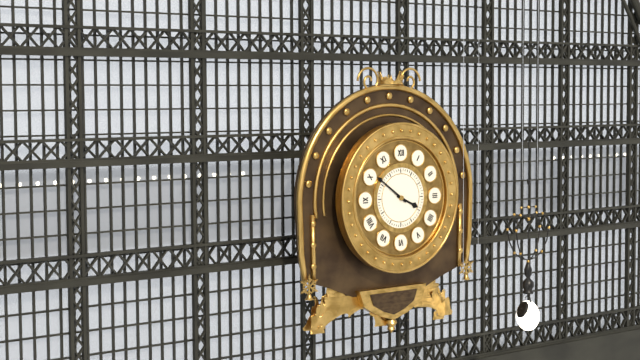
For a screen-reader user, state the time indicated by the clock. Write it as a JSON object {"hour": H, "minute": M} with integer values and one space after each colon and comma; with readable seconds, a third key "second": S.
{"hour": 3, "minute": 51}
